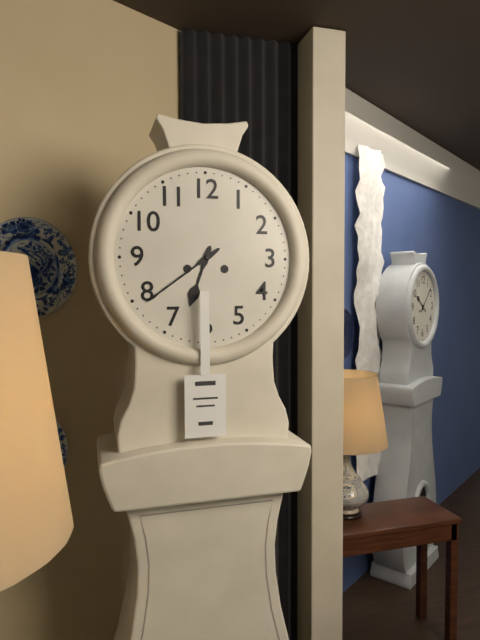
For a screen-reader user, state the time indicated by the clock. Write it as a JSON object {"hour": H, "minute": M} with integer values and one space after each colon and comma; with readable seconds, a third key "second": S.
{"hour": 6, "minute": 39}
